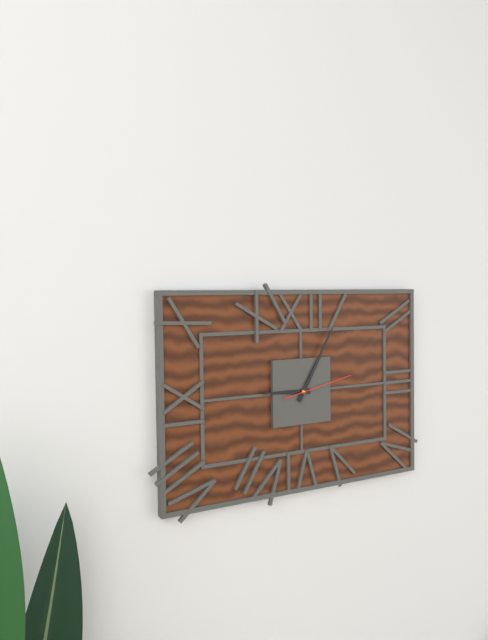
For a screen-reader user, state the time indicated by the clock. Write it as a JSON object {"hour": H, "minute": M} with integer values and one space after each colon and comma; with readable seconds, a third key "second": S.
{"hour": 9, "minute": 5, "second": 13}
